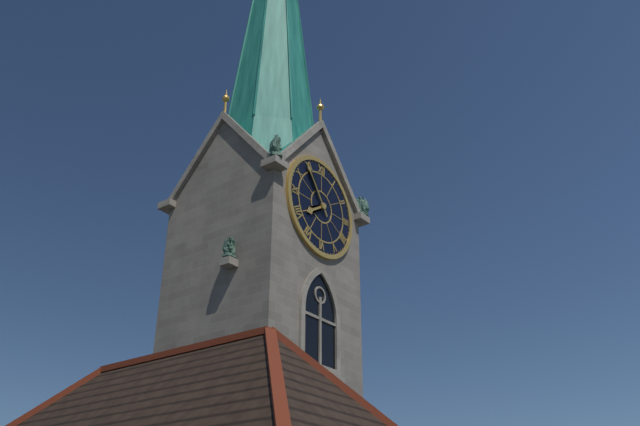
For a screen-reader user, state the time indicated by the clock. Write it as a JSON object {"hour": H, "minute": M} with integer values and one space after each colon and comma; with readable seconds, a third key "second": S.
{"hour": 7, "minute": 54}
